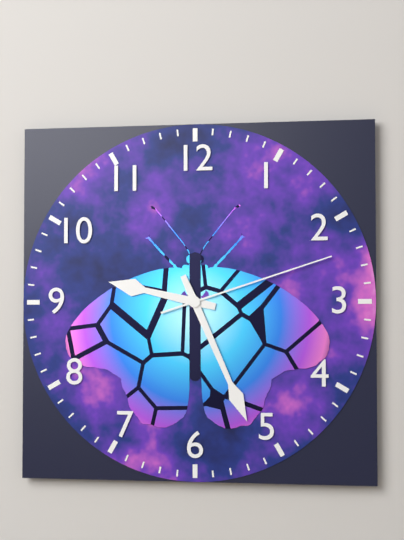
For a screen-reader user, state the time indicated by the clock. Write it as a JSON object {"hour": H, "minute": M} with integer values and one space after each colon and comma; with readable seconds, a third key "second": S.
{"hour": 9, "minute": 26, "second": 12}
